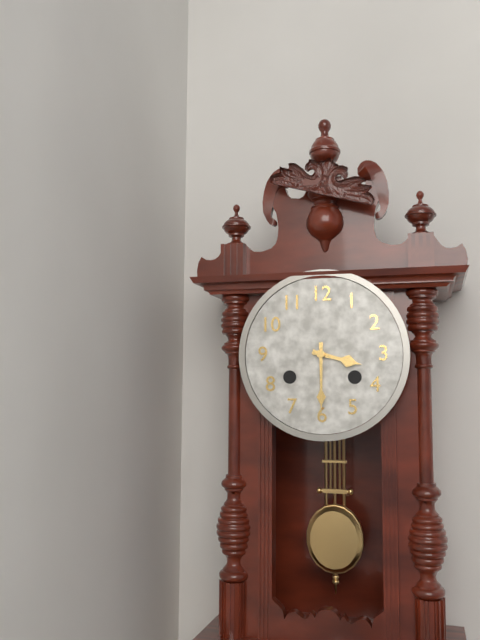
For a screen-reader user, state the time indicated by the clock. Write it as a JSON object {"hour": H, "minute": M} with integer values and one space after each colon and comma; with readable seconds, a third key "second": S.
{"hour": 3, "minute": 30}
